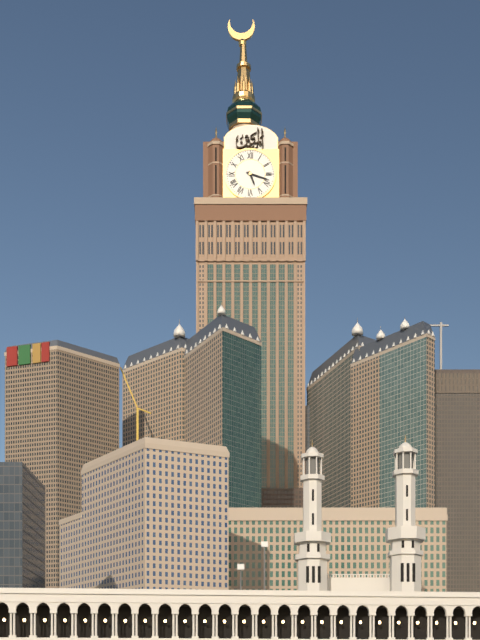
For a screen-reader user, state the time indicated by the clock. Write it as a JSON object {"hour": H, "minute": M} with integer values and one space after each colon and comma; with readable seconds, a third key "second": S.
{"hour": 5, "minute": 18}
